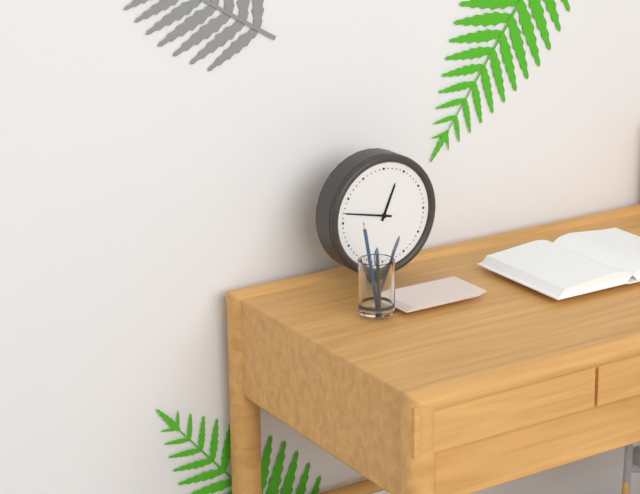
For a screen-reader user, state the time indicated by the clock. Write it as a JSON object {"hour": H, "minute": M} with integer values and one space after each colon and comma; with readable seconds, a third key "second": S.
{"hour": 12, "minute": 47}
